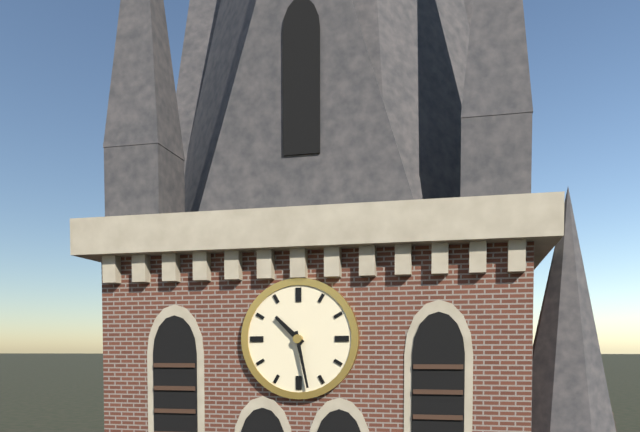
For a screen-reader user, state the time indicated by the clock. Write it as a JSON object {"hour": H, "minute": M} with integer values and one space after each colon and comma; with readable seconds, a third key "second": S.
{"hour": 10, "minute": 28}
